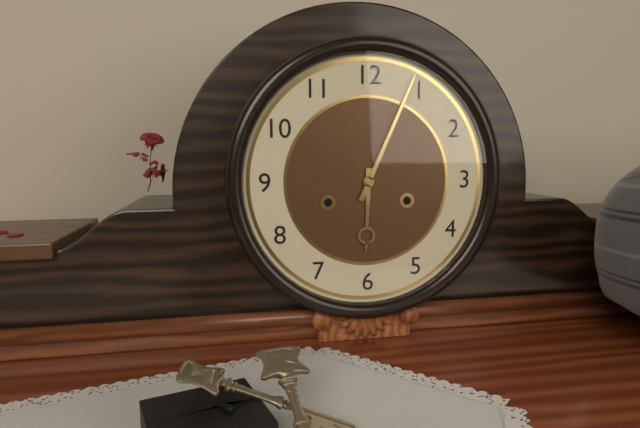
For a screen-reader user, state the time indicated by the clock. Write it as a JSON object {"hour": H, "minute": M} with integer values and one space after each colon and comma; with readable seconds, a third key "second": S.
{"hour": 6, "minute": 4}
